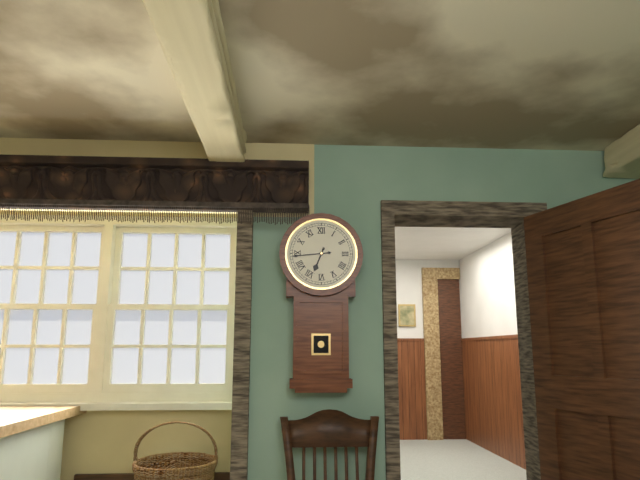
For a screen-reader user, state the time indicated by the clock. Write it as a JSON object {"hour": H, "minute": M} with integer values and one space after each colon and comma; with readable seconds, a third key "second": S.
{"hour": 6, "minute": 44}
